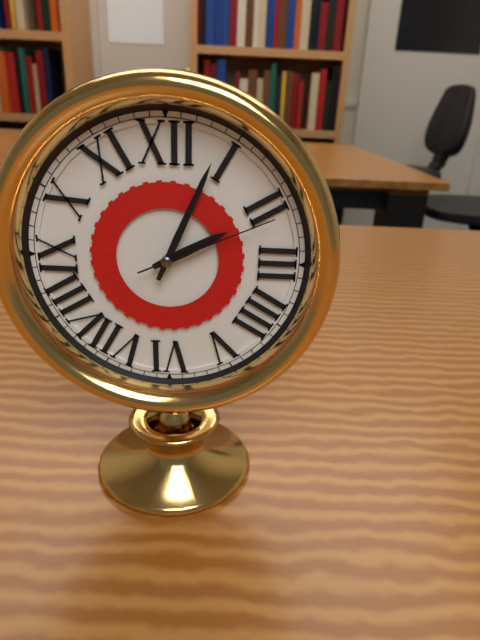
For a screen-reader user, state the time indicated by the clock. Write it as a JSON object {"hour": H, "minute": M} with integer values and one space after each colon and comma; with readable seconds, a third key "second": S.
{"hour": 2, "minute": 4, "second": 11}
